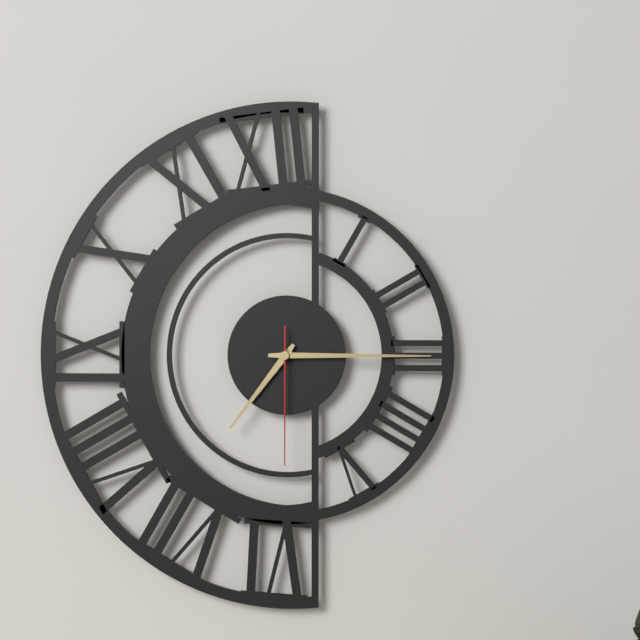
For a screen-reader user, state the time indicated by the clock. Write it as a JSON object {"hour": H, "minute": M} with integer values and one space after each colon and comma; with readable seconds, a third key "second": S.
{"hour": 7, "minute": 15, "second": 30}
